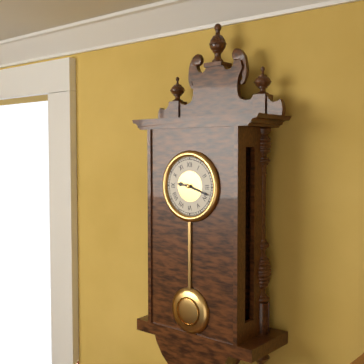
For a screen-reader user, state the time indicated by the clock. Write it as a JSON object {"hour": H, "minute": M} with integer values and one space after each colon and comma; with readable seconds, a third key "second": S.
{"hour": 9, "minute": 18}
